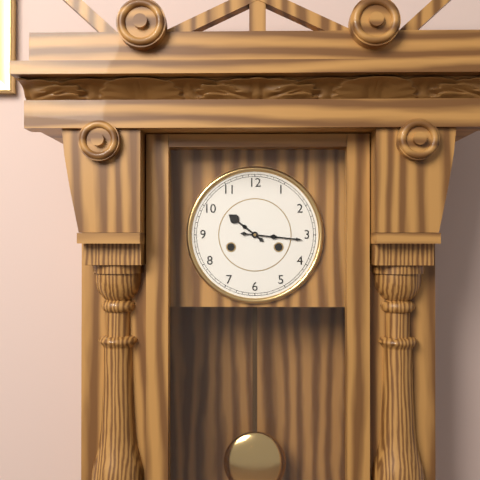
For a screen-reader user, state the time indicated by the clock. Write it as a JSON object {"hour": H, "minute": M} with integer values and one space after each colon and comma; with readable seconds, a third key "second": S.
{"hour": 10, "minute": 16}
